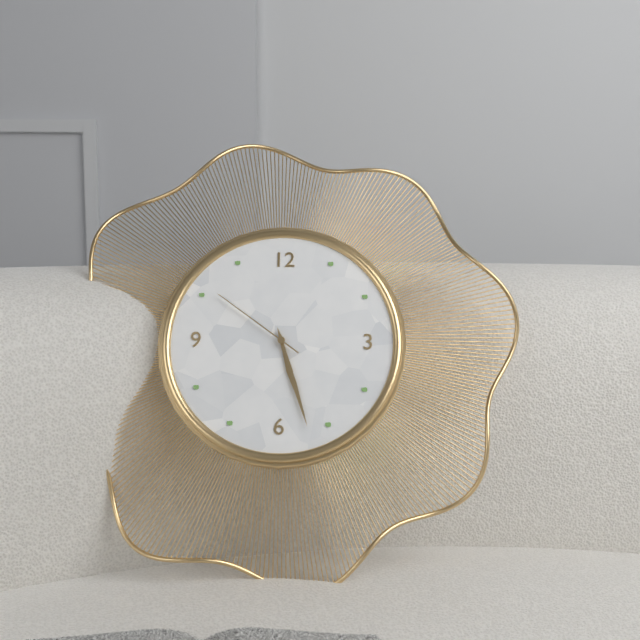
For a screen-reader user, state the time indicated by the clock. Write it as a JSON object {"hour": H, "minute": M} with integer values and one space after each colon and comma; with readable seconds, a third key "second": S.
{"hour": 5, "minute": 27, "second": 51}
